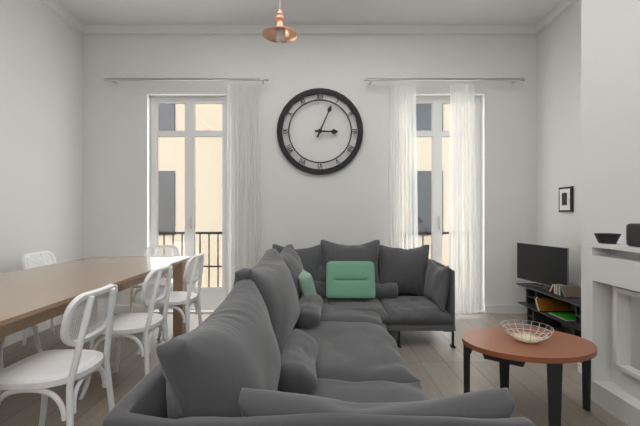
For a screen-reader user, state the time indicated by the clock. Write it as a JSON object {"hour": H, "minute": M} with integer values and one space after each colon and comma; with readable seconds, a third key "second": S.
{"hour": 3, "minute": 4}
